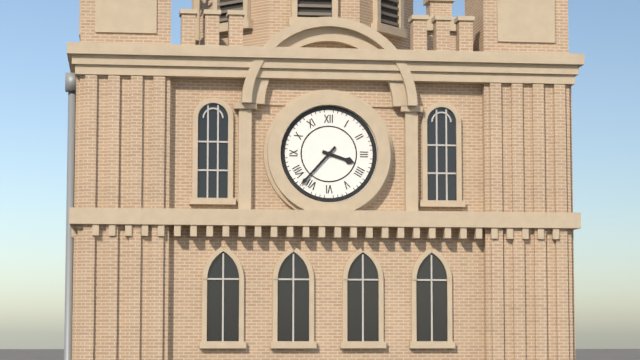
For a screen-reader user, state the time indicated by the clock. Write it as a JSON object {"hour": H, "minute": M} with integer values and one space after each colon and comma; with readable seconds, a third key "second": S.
{"hour": 3, "minute": 37}
